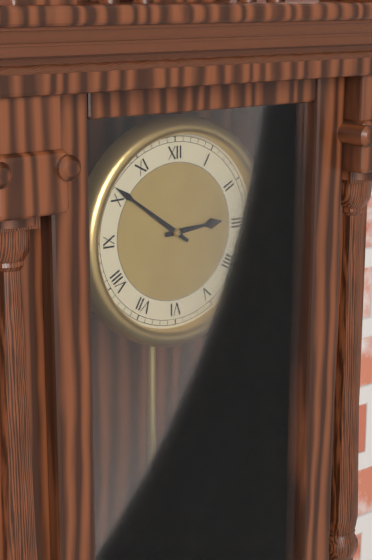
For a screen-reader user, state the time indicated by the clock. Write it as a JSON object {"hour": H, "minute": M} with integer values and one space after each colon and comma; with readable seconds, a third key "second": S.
{"hour": 2, "minute": 51}
